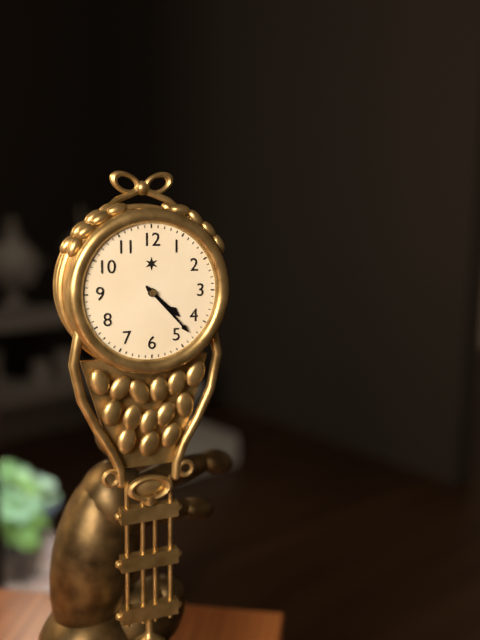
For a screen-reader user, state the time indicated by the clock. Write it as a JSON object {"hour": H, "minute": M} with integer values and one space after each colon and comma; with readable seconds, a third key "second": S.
{"hour": 4, "minute": 23}
